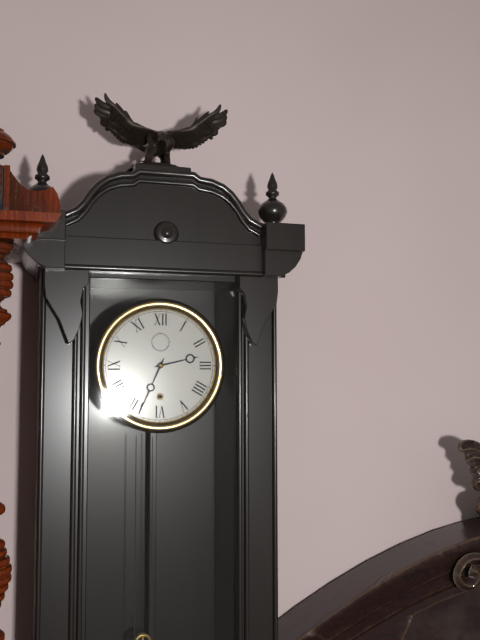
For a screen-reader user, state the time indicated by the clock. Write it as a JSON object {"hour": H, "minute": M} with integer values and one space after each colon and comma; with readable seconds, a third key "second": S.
{"hour": 2, "minute": 34}
